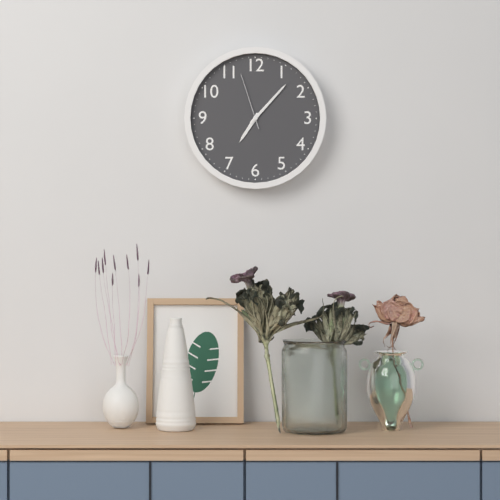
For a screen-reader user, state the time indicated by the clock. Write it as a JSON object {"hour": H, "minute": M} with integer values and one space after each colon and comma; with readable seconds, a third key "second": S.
{"hour": 7, "minute": 7, "second": 57}
